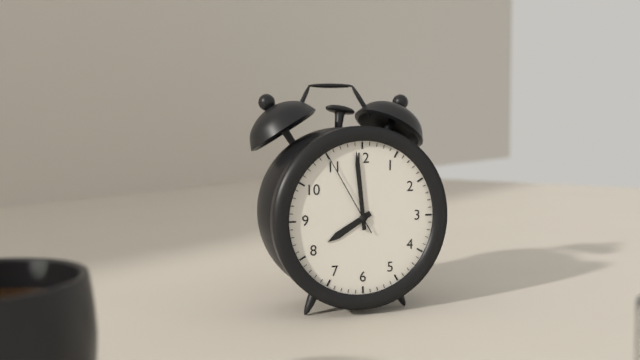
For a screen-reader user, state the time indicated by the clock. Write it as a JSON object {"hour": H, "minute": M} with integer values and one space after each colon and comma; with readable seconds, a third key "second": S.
{"hour": 7, "minute": 59, "second": 55}
